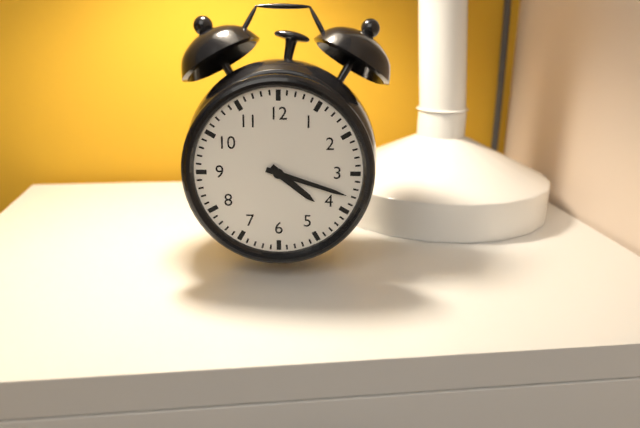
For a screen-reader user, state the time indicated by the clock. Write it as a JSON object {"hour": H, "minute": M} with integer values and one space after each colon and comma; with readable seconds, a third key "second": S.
{"hour": 4, "minute": 18}
